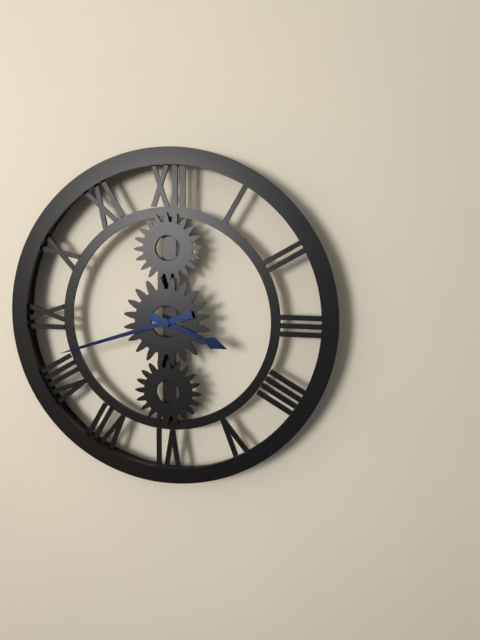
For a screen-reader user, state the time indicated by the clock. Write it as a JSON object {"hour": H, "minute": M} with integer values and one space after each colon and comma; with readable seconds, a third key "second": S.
{"hour": 3, "minute": 42}
